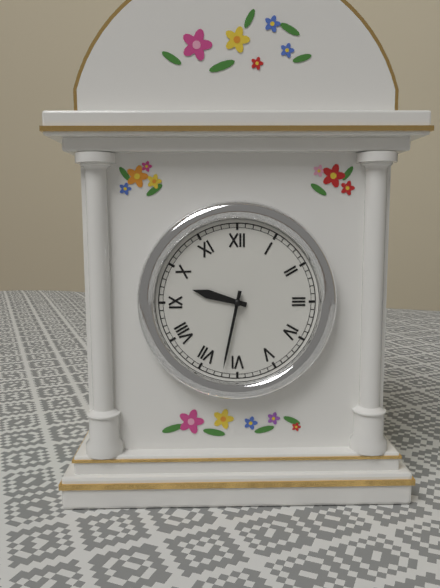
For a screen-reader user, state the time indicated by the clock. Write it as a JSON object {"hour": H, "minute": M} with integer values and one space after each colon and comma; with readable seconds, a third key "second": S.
{"hour": 9, "minute": 32}
